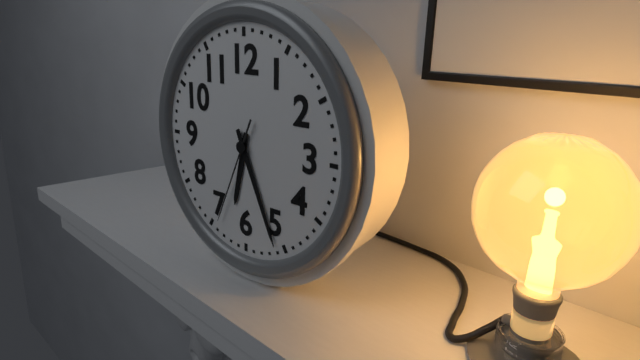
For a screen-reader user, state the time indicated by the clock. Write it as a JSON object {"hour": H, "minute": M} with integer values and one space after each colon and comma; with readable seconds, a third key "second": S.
{"hour": 6, "minute": 26, "second": 34}
